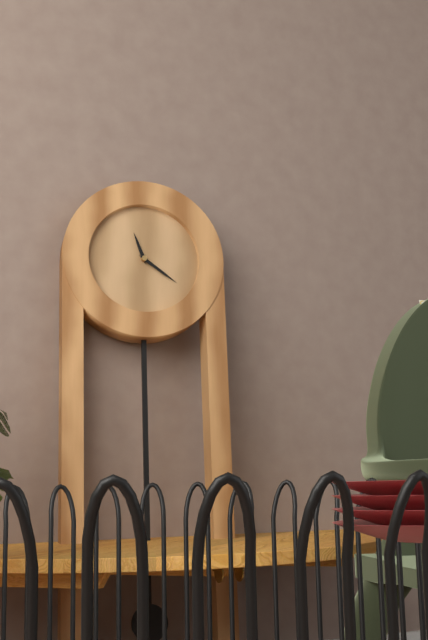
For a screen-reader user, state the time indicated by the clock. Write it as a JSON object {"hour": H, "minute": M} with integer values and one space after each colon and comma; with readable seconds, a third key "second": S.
{"hour": 11, "minute": 21}
